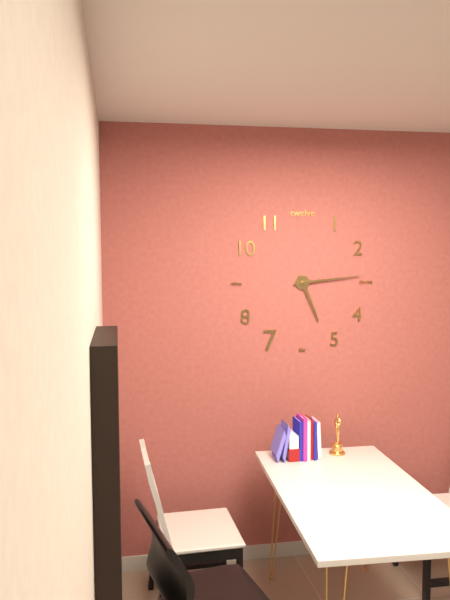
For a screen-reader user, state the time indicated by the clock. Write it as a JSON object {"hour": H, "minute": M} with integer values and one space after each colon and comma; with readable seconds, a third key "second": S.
{"hour": 5, "minute": 14}
